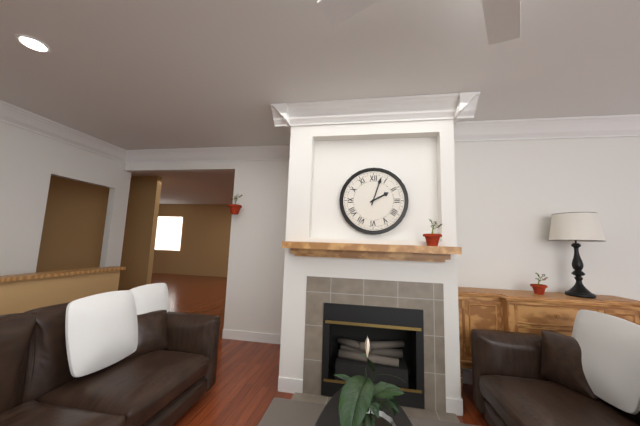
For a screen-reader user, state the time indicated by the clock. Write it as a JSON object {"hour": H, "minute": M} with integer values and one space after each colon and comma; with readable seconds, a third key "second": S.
{"hour": 2, "minute": 3}
